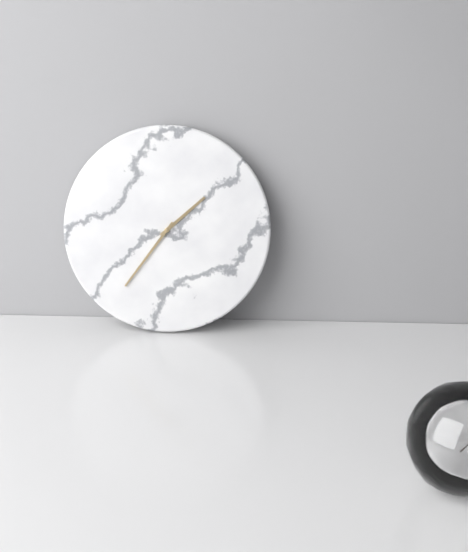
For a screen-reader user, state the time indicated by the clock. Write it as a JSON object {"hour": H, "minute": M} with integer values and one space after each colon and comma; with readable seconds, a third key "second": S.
{"hour": 1, "minute": 36}
